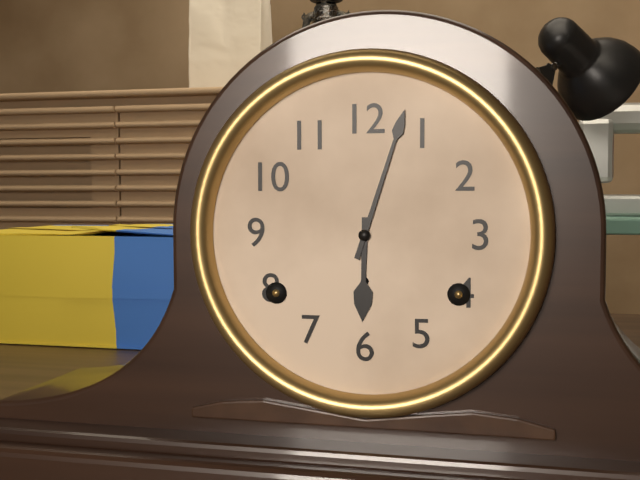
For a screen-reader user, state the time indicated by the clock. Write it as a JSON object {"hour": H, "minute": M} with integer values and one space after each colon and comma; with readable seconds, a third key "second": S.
{"hour": 6, "minute": 3}
